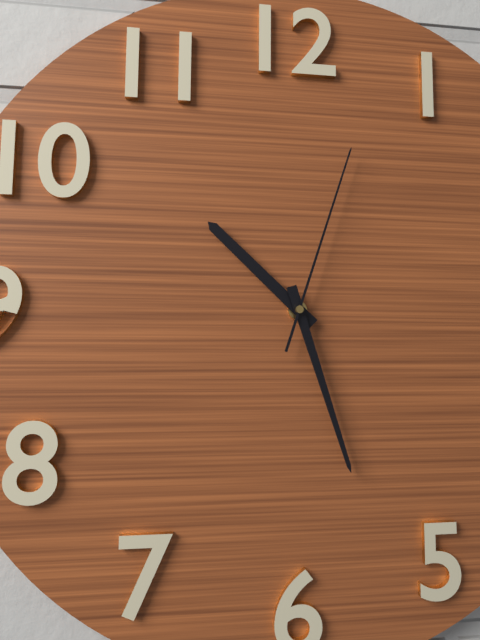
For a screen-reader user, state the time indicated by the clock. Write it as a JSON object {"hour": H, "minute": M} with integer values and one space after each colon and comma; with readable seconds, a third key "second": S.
{"hour": 10, "minute": 27, "second": 3}
